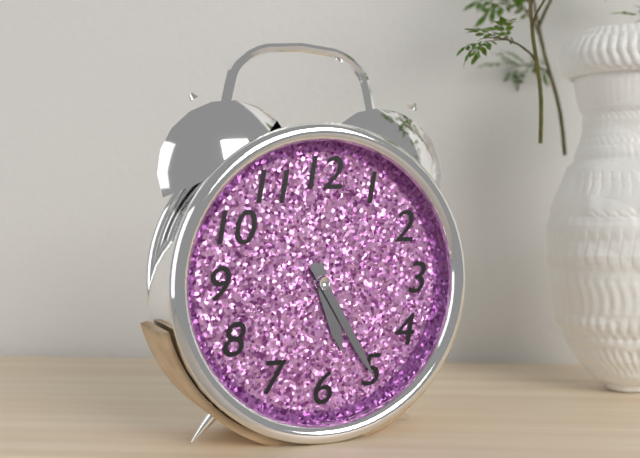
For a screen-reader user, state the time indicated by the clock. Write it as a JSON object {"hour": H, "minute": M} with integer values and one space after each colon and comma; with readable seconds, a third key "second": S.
{"hour": 5, "minute": 25}
